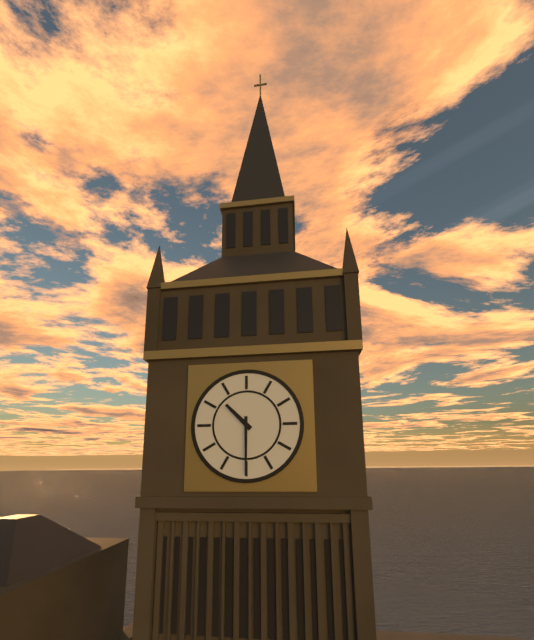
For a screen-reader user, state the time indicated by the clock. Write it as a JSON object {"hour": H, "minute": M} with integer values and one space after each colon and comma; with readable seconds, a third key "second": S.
{"hour": 10, "minute": 30}
